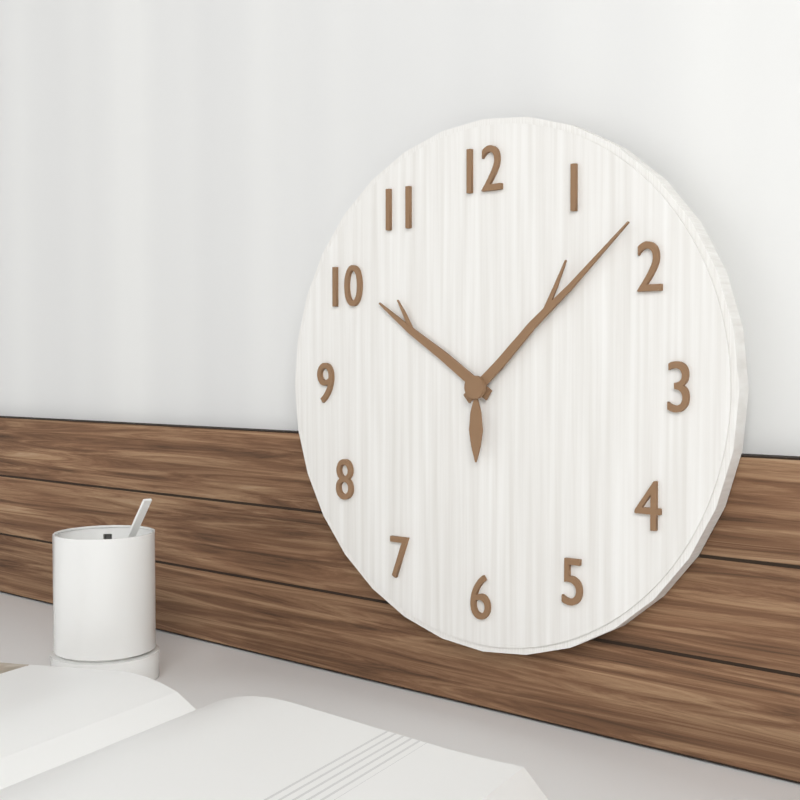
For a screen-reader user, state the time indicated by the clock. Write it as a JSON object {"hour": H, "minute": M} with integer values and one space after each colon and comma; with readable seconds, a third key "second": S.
{"hour": 10, "minute": 8, "second": 30}
